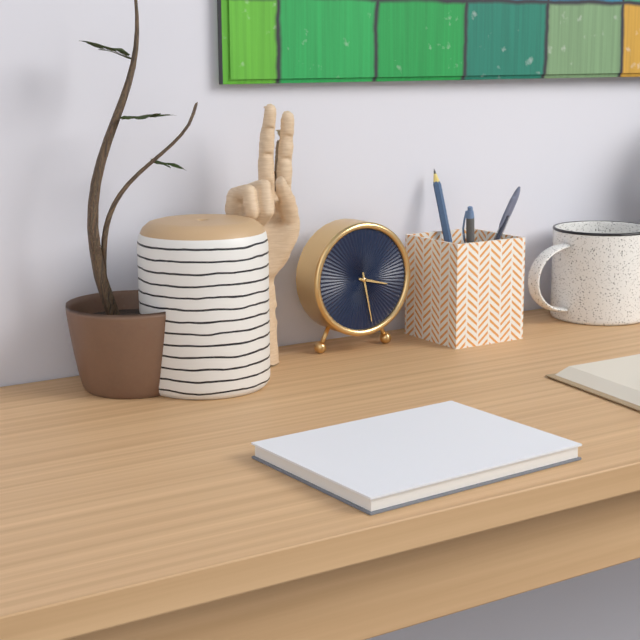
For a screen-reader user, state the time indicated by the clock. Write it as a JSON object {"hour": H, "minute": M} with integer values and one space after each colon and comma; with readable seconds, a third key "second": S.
{"hour": 3, "minute": 28}
